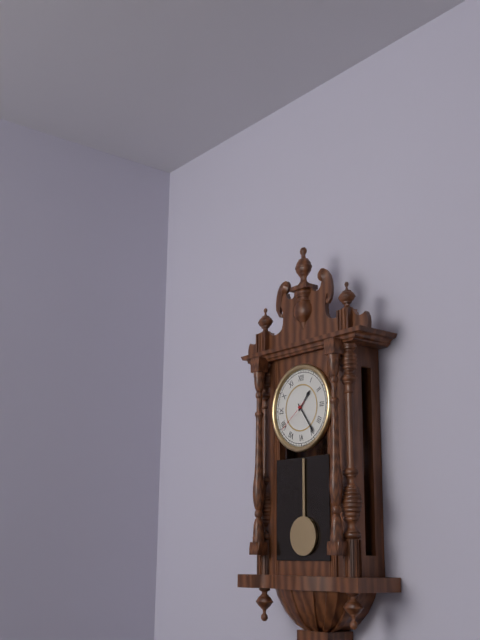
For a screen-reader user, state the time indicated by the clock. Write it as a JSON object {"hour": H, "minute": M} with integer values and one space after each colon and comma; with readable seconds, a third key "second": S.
{"hour": 1, "minute": 24}
